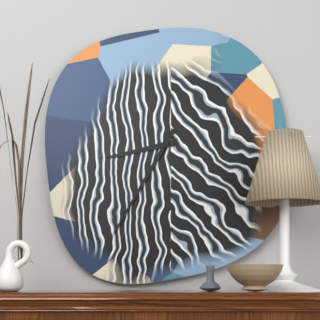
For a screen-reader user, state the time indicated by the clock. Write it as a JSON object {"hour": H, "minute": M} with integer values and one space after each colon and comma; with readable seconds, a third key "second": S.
{"hour": 8, "minute": 35}
